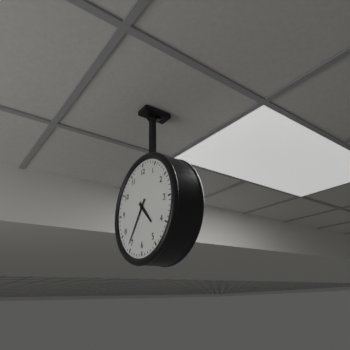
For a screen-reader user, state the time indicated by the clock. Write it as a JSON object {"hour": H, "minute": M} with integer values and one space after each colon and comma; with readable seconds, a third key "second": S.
{"hour": 4, "minute": 36}
